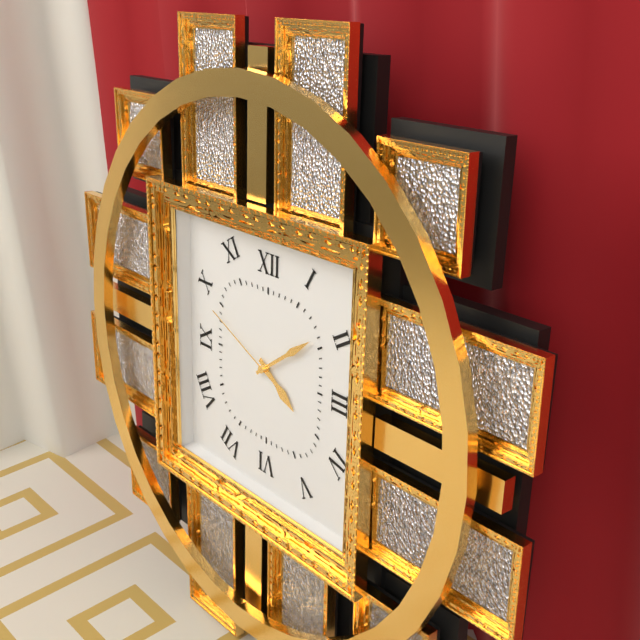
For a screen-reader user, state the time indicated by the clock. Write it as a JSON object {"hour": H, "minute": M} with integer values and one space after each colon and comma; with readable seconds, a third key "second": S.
{"hour": 4, "minute": 9, "second": 49}
